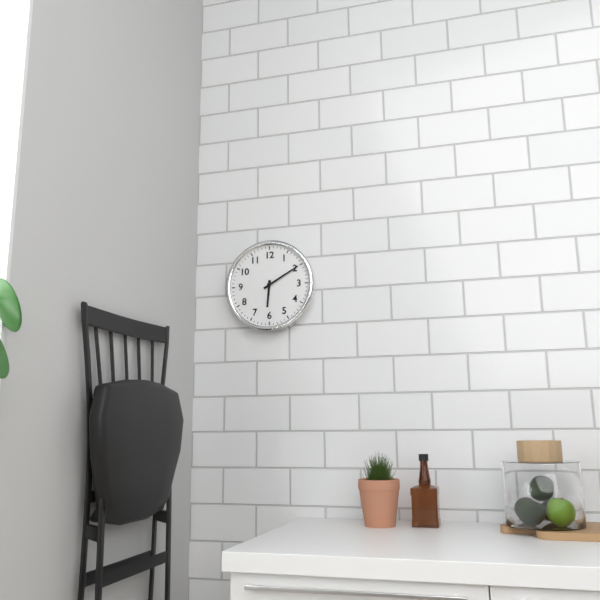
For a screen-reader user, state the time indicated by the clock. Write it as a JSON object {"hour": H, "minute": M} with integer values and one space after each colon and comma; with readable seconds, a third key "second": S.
{"hour": 6, "minute": 10}
